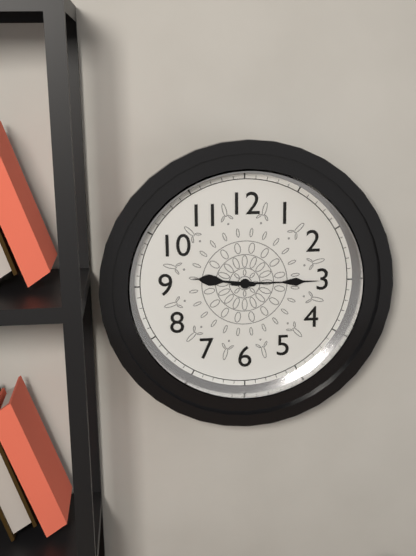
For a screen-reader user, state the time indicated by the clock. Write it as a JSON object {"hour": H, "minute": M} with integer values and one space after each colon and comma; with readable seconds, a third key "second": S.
{"hour": 9, "minute": 15}
